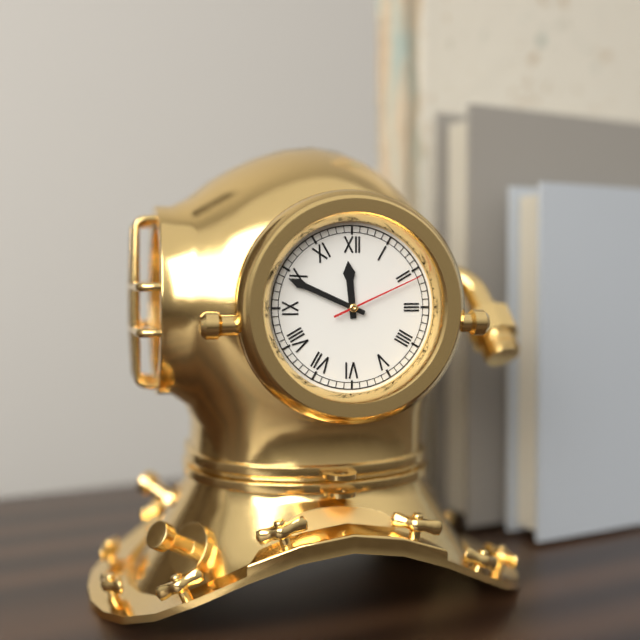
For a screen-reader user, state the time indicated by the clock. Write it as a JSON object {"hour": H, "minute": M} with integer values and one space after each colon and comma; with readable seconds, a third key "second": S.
{"hour": 11, "minute": 49, "second": 11}
